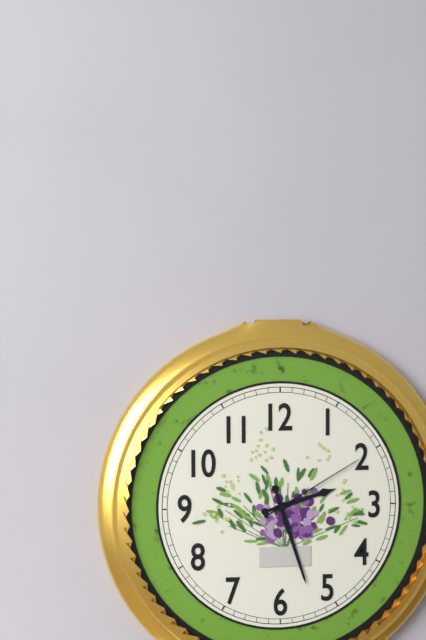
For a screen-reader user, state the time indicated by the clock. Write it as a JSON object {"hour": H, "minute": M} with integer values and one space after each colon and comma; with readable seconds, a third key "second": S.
{"hour": 2, "minute": 27, "second": 10}
